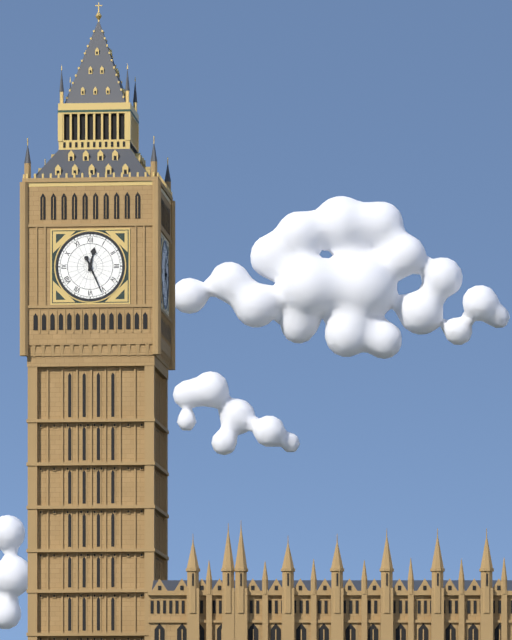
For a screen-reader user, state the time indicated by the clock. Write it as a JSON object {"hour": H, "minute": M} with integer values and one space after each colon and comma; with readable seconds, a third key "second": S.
{"hour": 12, "minute": 26}
